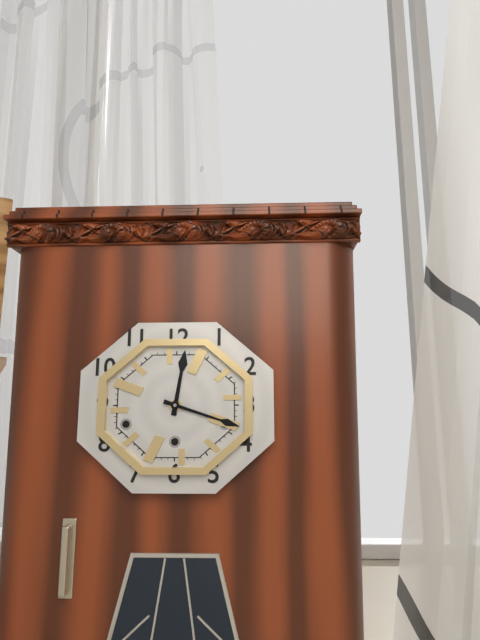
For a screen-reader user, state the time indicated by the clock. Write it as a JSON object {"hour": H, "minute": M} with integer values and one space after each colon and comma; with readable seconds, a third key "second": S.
{"hour": 12, "minute": 18}
